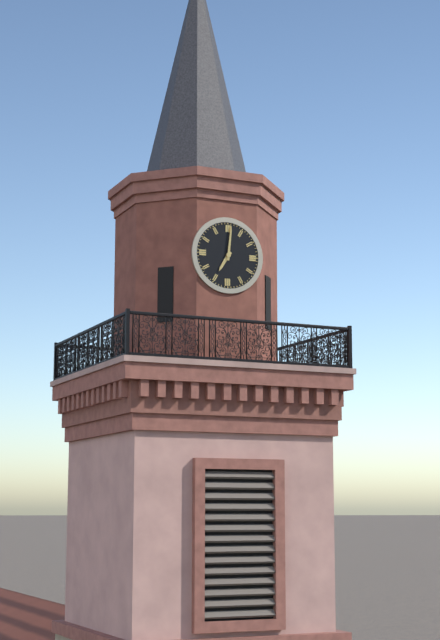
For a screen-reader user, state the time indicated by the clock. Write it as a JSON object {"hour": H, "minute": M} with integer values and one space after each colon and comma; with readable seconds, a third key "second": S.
{"hour": 7, "minute": 1}
